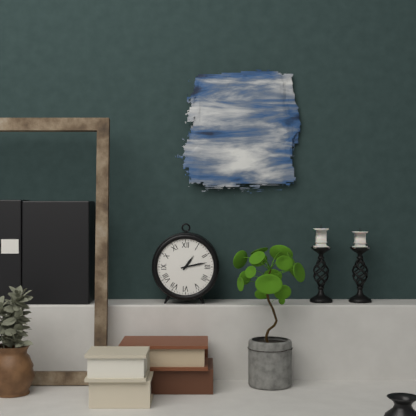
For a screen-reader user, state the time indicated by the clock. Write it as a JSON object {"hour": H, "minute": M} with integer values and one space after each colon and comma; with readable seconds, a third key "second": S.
{"hour": 1, "minute": 13}
